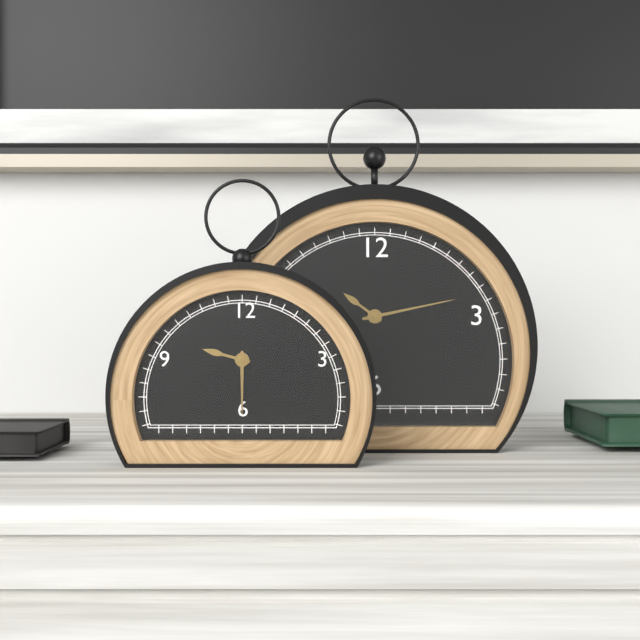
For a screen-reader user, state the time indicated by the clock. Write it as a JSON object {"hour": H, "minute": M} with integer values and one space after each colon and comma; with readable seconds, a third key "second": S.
{"hour": 9, "minute": 30}
